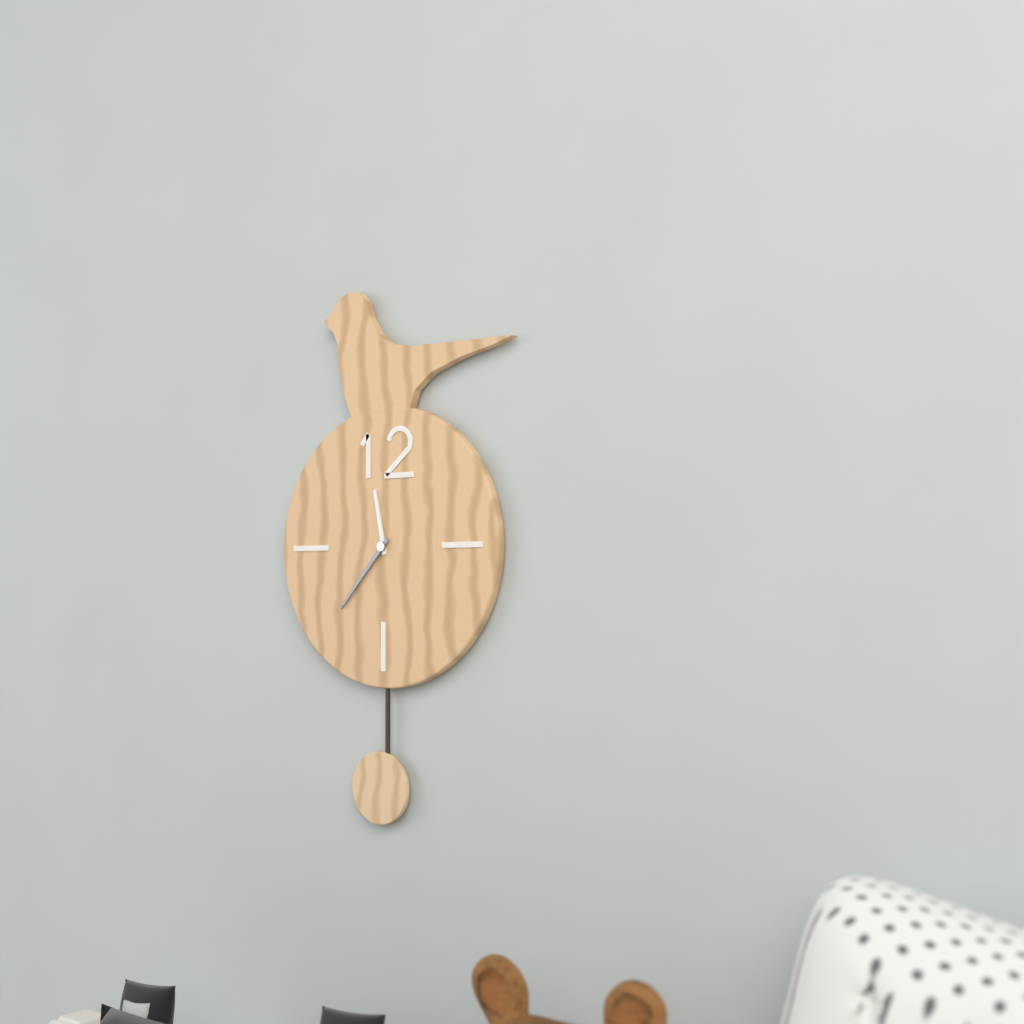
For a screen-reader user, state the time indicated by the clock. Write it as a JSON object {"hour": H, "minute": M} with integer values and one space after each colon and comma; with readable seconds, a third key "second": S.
{"hour": 11, "minute": 37}
